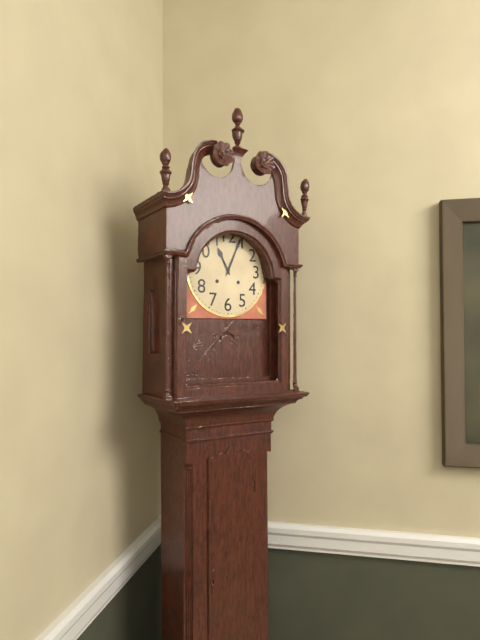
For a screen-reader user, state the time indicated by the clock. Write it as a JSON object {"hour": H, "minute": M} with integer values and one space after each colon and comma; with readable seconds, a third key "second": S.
{"hour": 11, "minute": 4}
